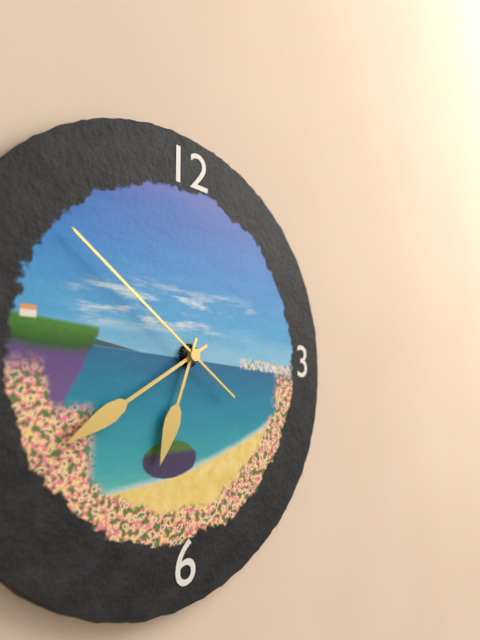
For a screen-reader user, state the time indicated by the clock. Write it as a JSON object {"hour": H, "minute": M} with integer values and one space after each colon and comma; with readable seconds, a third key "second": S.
{"hour": 6, "minute": 40, "second": 51}
